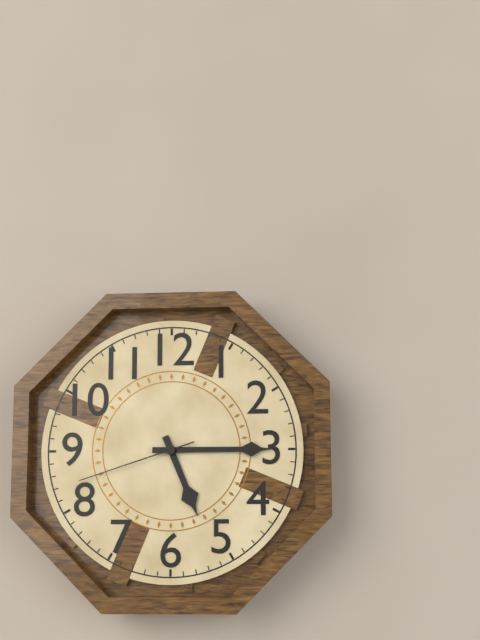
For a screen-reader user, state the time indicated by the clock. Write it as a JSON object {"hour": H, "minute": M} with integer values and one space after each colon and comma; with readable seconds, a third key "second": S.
{"hour": 5, "minute": 15, "second": 42}
